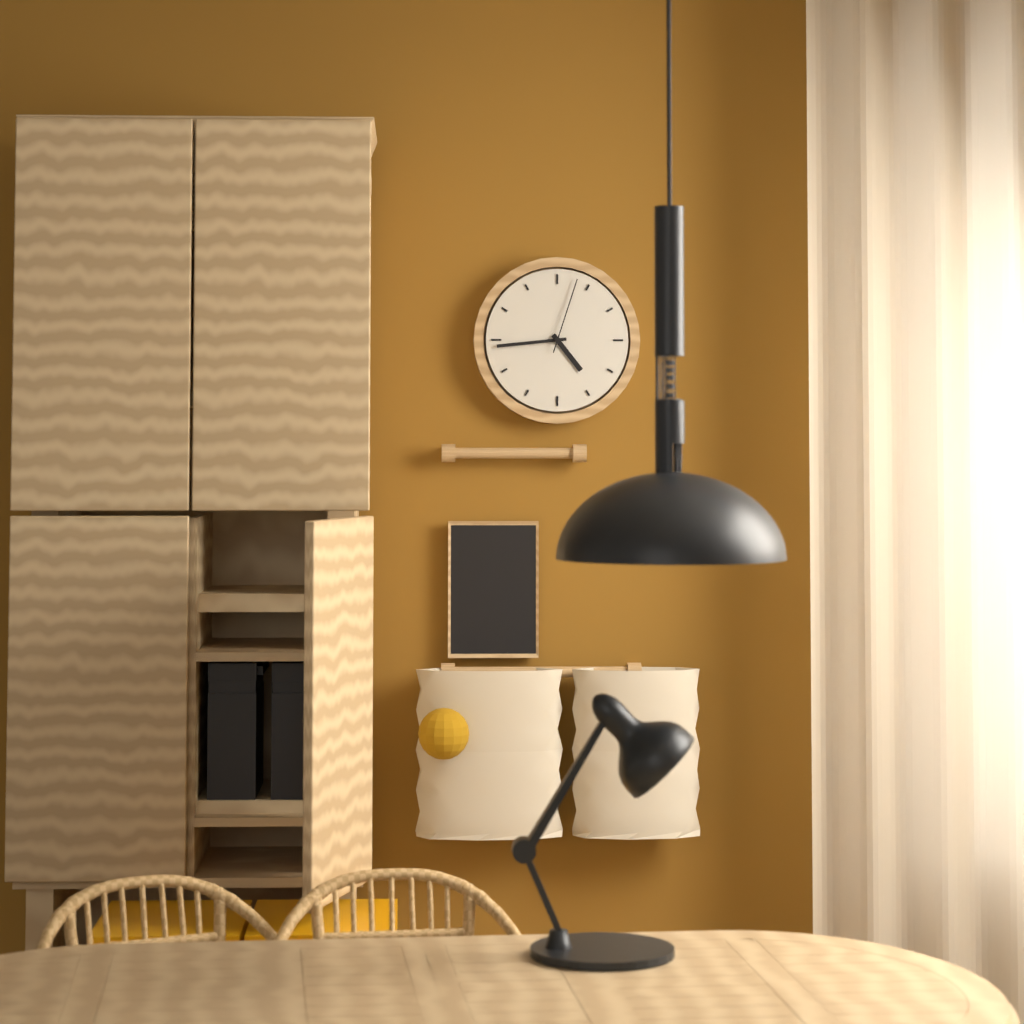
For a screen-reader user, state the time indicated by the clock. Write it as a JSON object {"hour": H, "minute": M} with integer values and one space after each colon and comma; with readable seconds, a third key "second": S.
{"hour": 4, "minute": 44, "second": 3}
